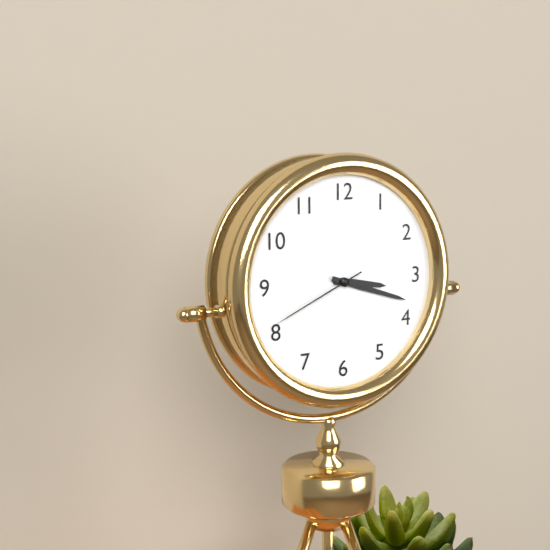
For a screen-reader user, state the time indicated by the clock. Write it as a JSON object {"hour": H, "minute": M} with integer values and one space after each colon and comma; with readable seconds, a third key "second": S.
{"hour": 3, "minute": 18, "second": 41}
